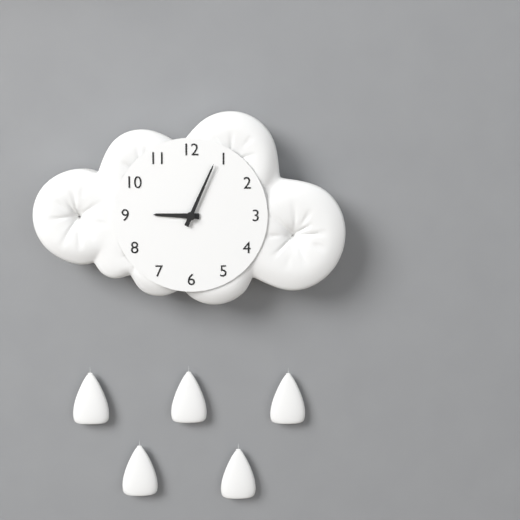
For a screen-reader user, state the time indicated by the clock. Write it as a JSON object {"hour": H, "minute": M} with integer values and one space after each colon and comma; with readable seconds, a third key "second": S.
{"hour": 9, "minute": 4}
